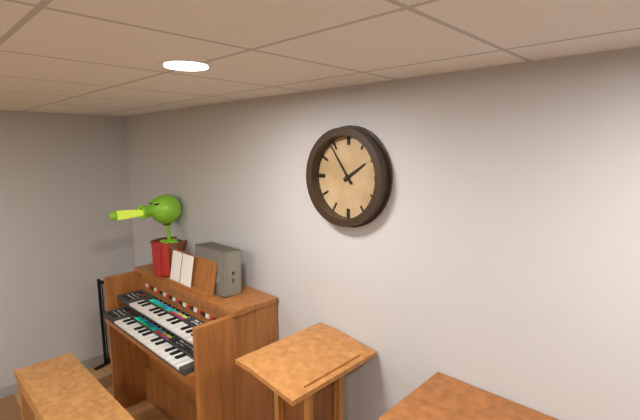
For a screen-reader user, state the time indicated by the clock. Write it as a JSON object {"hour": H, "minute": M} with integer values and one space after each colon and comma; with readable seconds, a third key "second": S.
{"hour": 1, "minute": 54}
